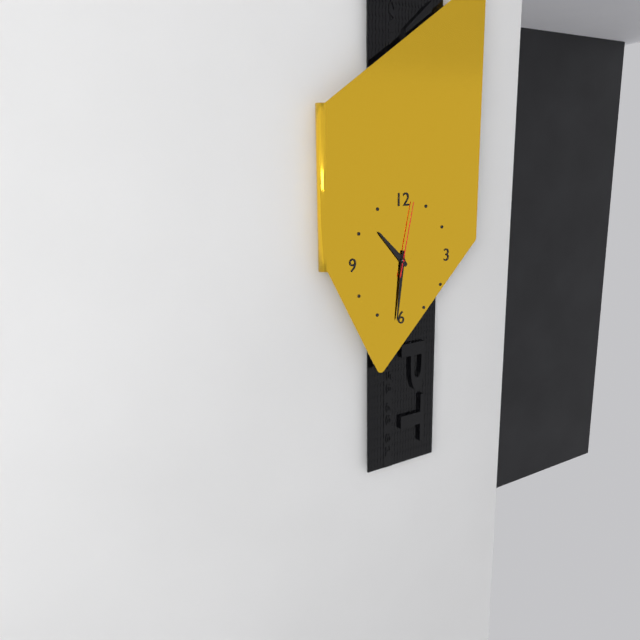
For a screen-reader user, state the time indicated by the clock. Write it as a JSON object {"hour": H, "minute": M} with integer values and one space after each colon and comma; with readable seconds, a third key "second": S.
{"hour": 10, "minute": 31, "second": 2}
